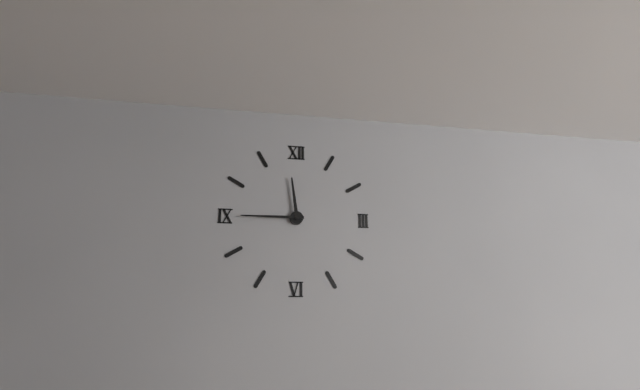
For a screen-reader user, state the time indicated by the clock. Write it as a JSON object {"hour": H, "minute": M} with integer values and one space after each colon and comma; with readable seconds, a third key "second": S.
{"hour": 11, "minute": 45}
